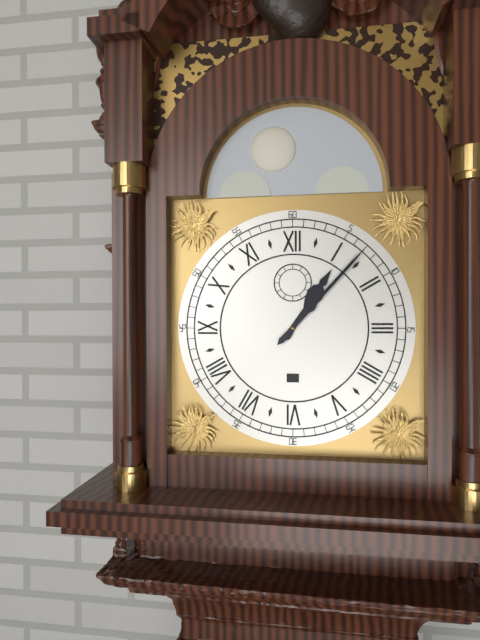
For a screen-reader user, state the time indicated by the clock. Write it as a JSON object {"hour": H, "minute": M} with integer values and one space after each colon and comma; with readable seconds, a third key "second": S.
{"hour": 1, "minute": 7}
